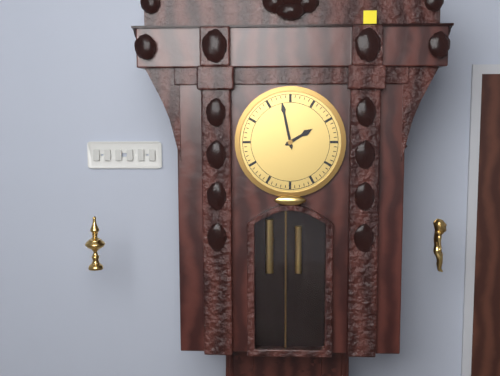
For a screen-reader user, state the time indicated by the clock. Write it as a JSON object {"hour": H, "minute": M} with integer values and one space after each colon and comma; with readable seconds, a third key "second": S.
{"hour": 1, "minute": 58}
